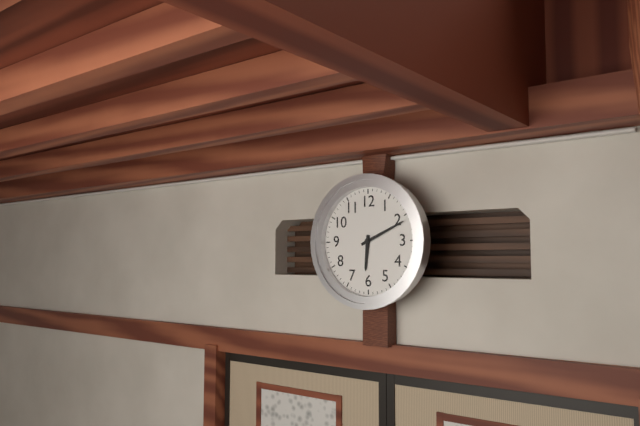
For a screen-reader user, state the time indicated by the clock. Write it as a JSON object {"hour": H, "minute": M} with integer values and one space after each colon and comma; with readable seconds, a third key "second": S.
{"hour": 6, "minute": 11}
